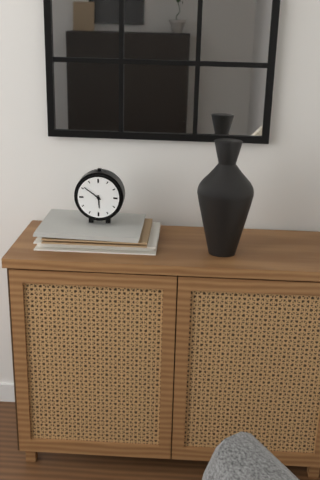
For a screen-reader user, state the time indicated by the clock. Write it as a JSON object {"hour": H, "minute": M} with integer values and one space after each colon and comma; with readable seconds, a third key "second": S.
{"hour": 5, "minute": 51}
